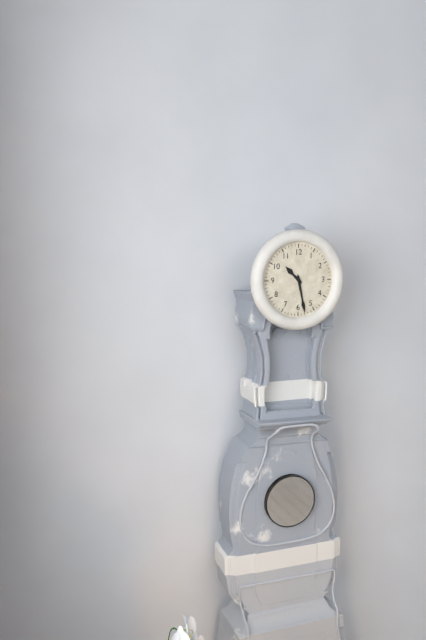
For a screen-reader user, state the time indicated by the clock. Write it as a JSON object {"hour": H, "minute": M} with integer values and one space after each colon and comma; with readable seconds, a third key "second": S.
{"hour": 10, "minute": 28}
